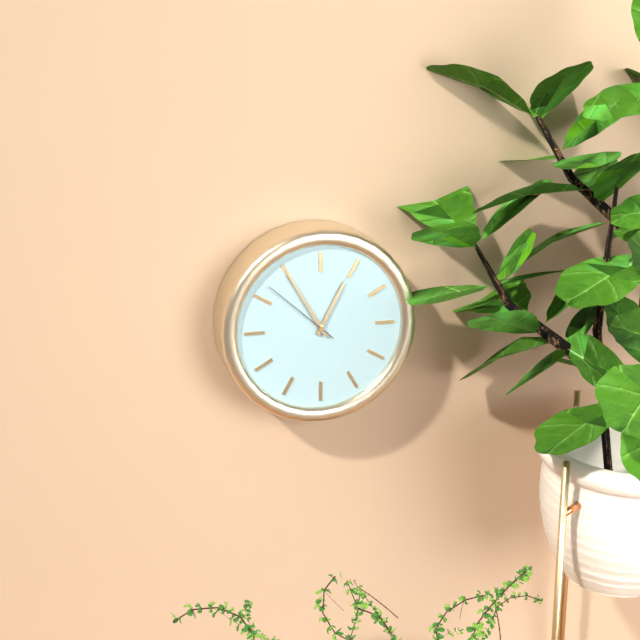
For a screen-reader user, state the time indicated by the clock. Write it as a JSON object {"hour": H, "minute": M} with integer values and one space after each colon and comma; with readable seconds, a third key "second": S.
{"hour": 12, "minute": 55, "second": 52}
